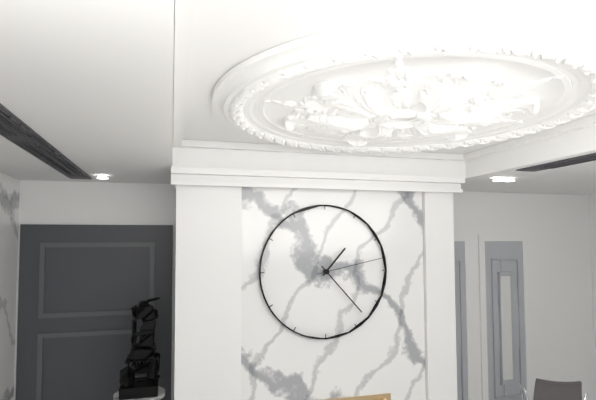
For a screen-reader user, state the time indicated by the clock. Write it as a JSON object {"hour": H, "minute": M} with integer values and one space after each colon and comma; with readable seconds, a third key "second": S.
{"hour": 1, "minute": 23, "second": 13}
